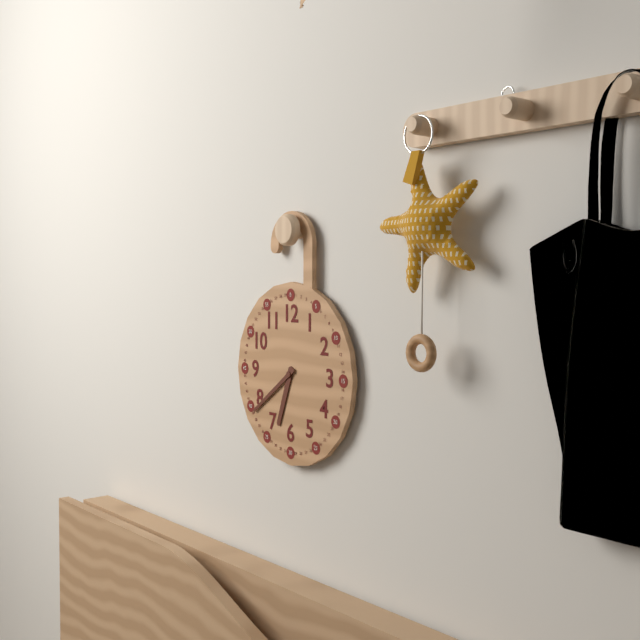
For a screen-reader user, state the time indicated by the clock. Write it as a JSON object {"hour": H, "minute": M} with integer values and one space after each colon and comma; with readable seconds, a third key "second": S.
{"hour": 6, "minute": 39}
